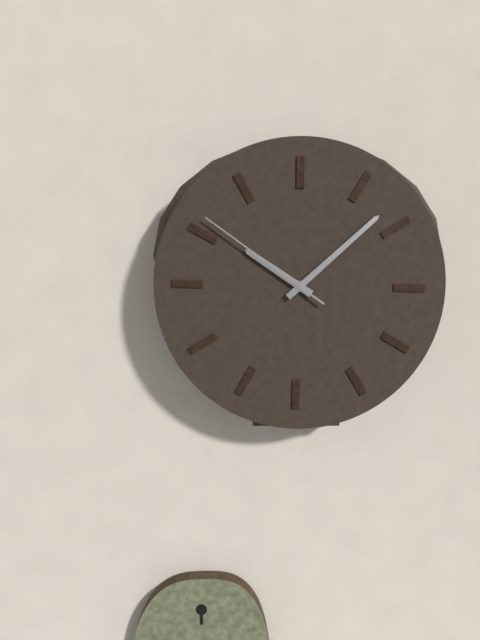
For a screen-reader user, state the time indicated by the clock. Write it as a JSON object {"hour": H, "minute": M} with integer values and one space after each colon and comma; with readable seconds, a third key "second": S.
{"hour": 10, "minute": 8, "second": 51}
